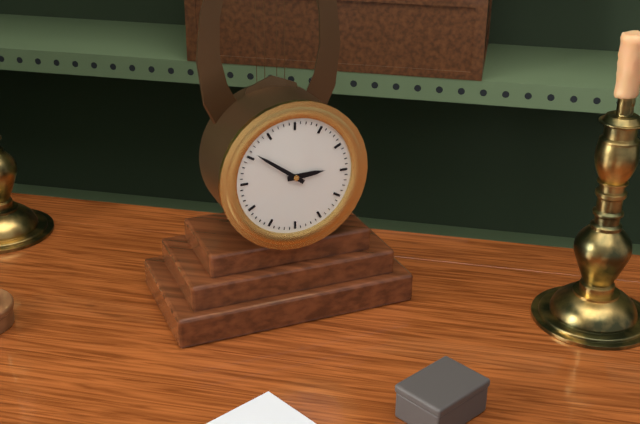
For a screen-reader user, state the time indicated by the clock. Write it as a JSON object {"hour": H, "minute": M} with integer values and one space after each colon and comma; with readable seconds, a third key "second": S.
{"hour": 2, "minute": 51}
